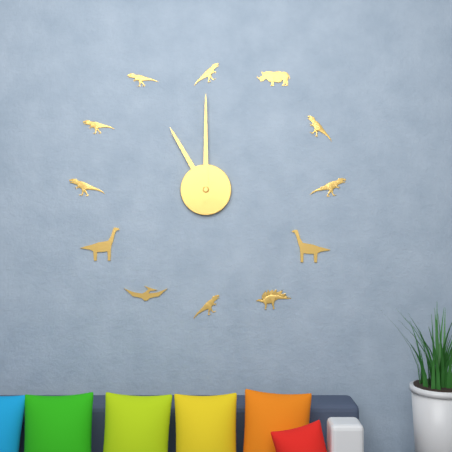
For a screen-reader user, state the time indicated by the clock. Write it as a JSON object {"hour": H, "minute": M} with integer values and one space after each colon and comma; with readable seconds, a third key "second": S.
{"hour": 11, "minute": 0}
